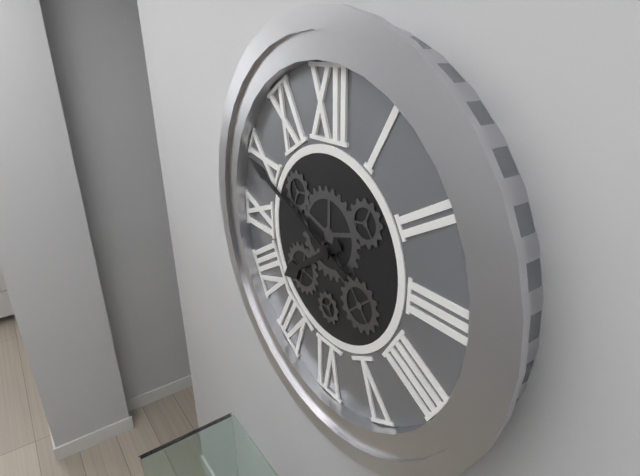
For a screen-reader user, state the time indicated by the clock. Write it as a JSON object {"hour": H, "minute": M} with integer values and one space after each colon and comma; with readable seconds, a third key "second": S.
{"hour": 7, "minute": 49}
